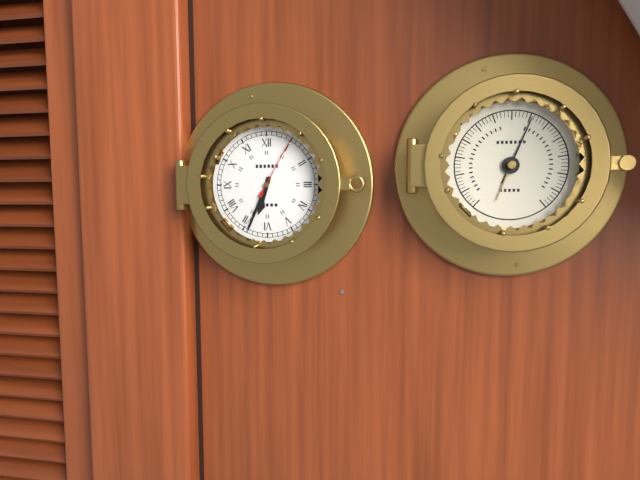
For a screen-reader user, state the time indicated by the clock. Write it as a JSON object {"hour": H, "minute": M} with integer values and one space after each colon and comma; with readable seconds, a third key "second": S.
{"hour": 6, "minute": 34, "second": 5}
